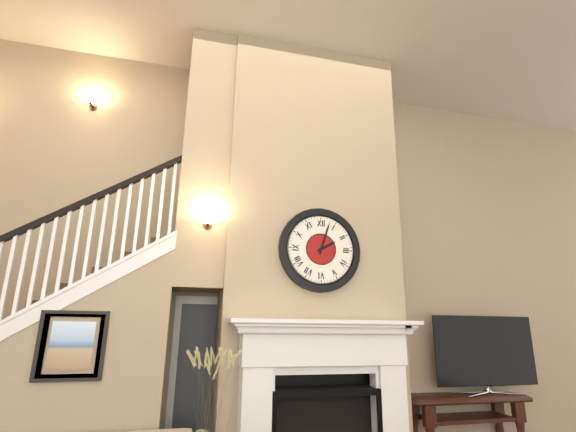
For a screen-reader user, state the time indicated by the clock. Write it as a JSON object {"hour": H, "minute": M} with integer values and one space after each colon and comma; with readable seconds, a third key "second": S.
{"hour": 2, "minute": 3}
